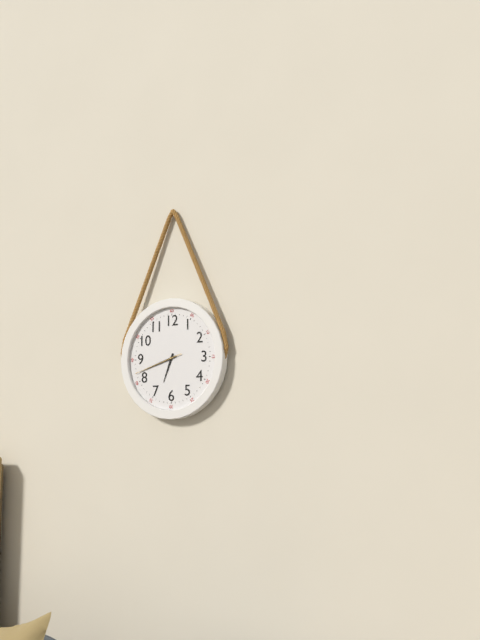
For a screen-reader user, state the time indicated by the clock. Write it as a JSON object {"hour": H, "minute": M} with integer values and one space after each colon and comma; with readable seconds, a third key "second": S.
{"hour": 6, "minute": 42}
